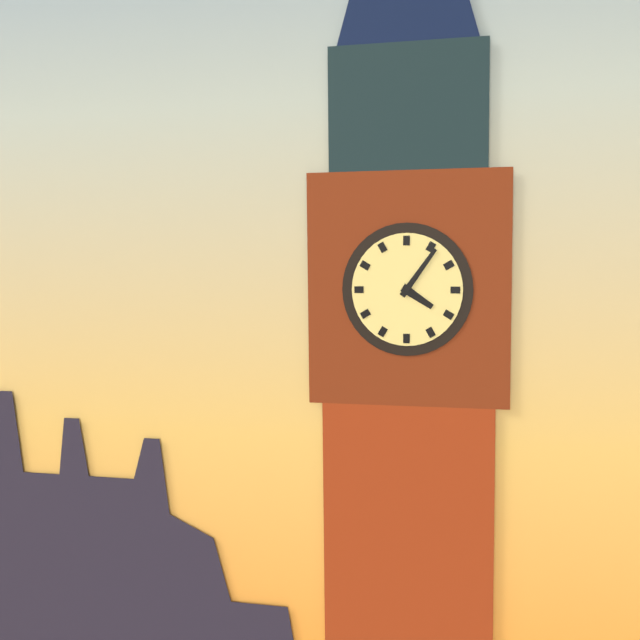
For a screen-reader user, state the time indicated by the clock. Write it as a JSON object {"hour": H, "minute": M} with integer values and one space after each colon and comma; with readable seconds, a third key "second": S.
{"hour": 4, "minute": 6}
